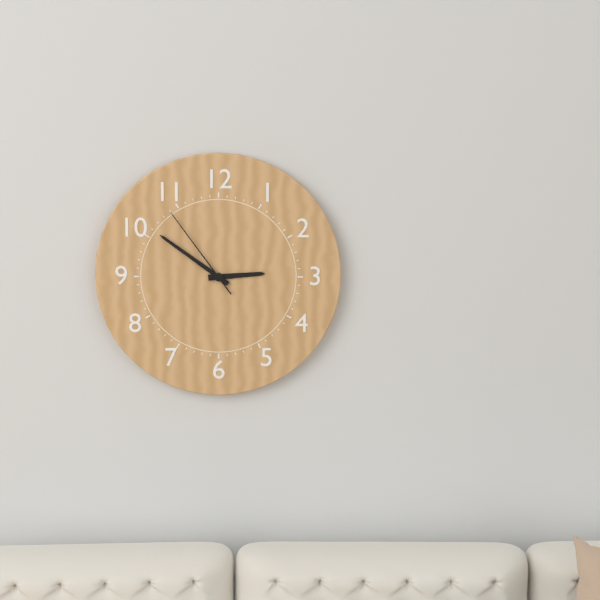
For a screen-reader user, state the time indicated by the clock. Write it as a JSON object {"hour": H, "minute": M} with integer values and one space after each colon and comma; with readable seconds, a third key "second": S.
{"hour": 2, "minute": 51, "second": 54}
